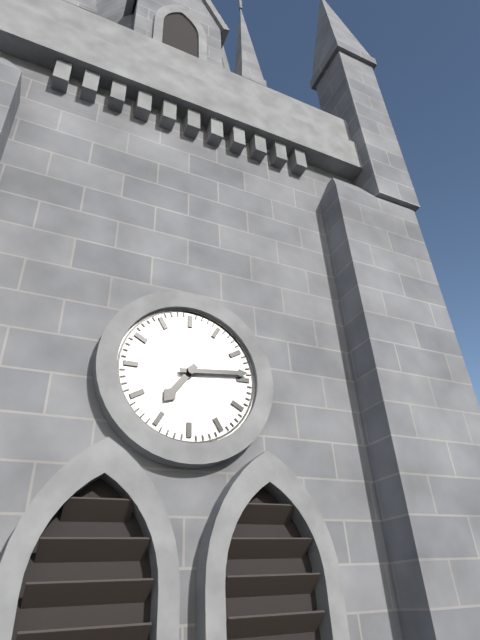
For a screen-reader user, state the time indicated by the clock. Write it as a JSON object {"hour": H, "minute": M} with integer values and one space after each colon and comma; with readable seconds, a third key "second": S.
{"hour": 7, "minute": 14}
